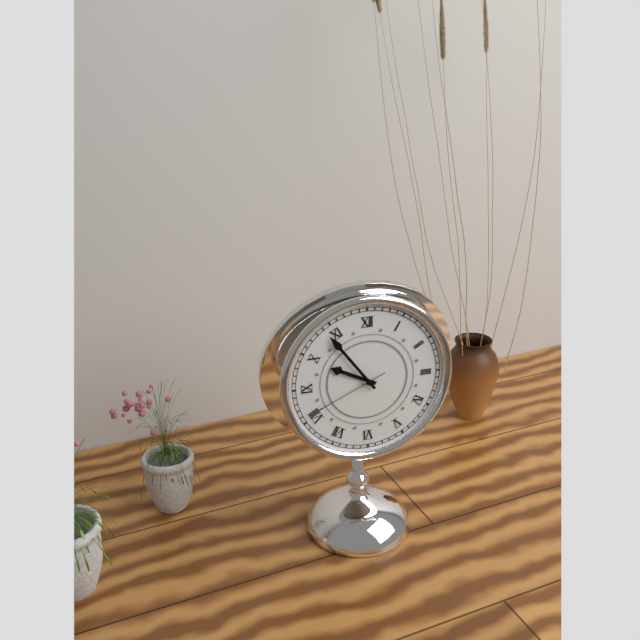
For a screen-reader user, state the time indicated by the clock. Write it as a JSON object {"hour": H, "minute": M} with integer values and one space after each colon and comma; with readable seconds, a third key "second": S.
{"hour": 9, "minute": 54, "second": 41}
